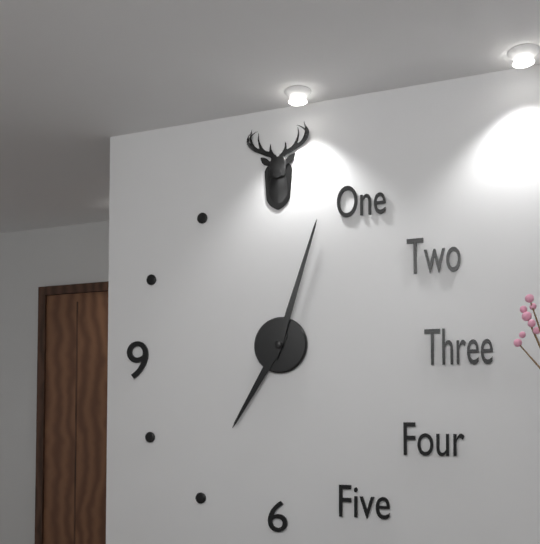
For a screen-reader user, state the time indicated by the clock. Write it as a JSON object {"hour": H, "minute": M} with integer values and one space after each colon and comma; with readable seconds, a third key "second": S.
{"hour": 7, "minute": 3}
